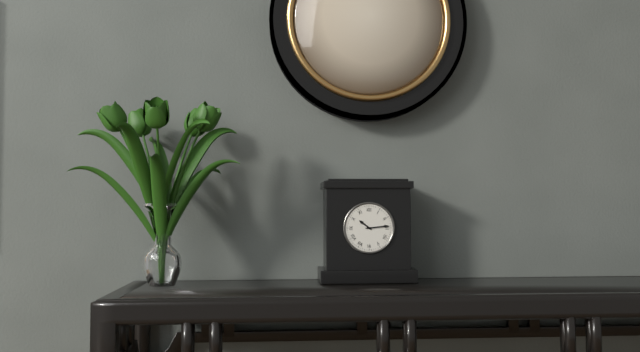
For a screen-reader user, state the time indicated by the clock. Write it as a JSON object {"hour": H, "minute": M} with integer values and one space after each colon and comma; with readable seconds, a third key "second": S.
{"hour": 10, "minute": 14}
